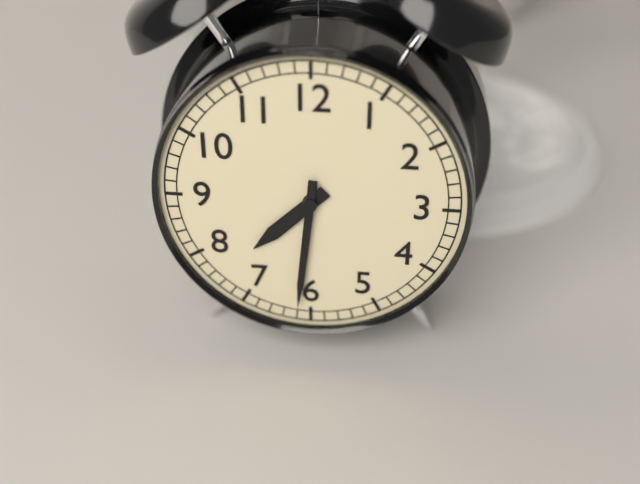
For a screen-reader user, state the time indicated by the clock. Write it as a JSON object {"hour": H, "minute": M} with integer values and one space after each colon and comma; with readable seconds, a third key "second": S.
{"hour": 7, "minute": 31}
